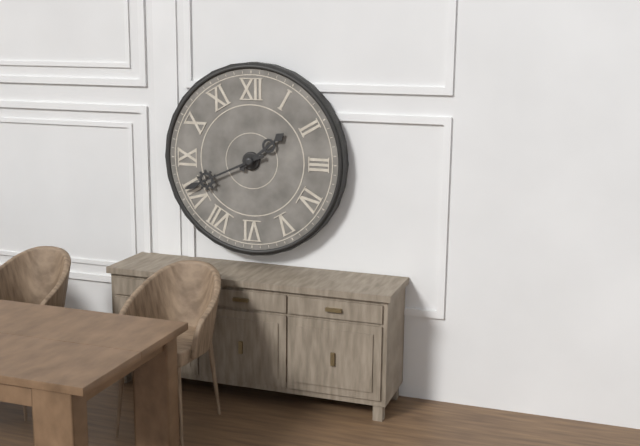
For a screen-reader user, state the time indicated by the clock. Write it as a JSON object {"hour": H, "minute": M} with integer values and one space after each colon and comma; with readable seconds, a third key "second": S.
{"hour": 1, "minute": 41}
